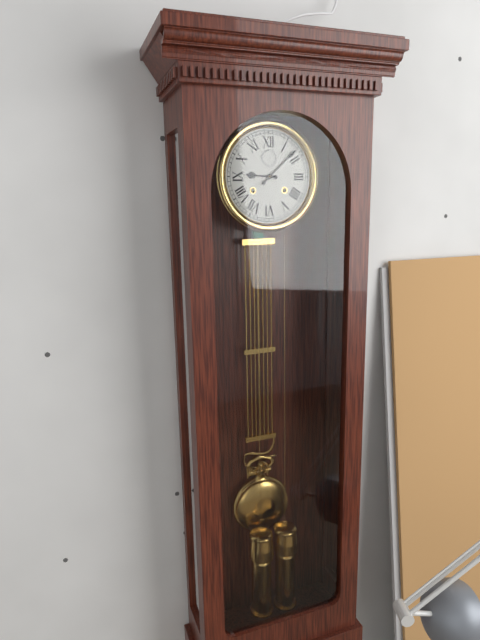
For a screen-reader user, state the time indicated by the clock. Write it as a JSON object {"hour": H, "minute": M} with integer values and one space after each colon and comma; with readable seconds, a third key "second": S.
{"hour": 9, "minute": 8}
